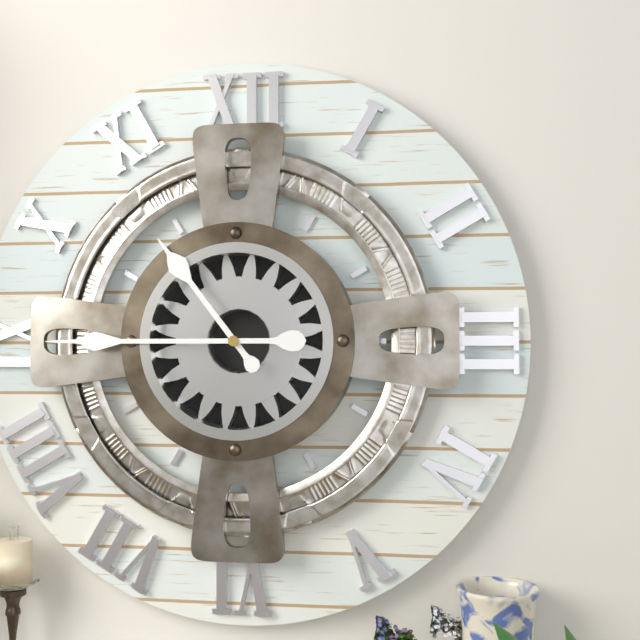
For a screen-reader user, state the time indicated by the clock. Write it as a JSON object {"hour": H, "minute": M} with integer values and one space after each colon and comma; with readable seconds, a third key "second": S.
{"hour": 10, "minute": 45}
